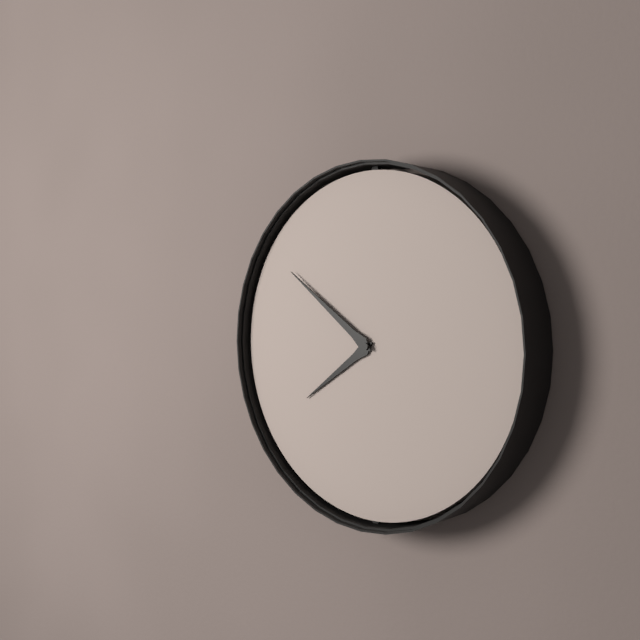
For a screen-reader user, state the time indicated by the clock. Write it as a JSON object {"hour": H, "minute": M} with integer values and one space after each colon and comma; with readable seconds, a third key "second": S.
{"hour": 7, "minute": 51}
